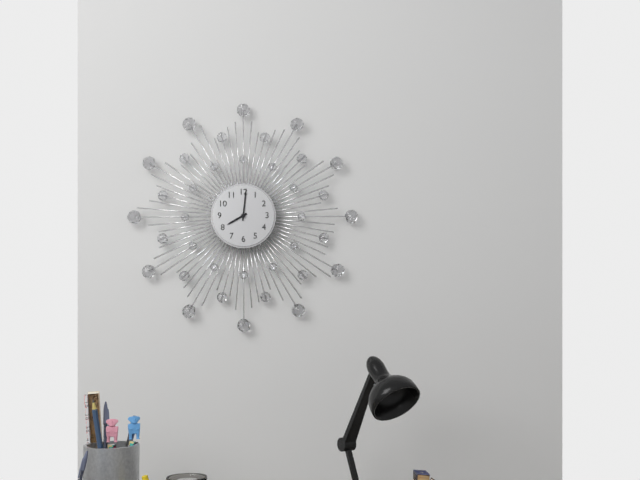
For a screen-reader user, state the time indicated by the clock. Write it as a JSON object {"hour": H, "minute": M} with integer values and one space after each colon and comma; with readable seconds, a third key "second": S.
{"hour": 8, "minute": 1}
